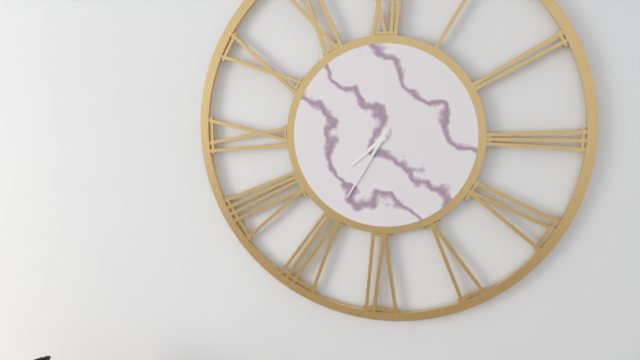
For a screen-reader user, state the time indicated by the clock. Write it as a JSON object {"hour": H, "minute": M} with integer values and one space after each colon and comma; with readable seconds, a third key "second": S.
{"hour": 7, "minute": 35}
